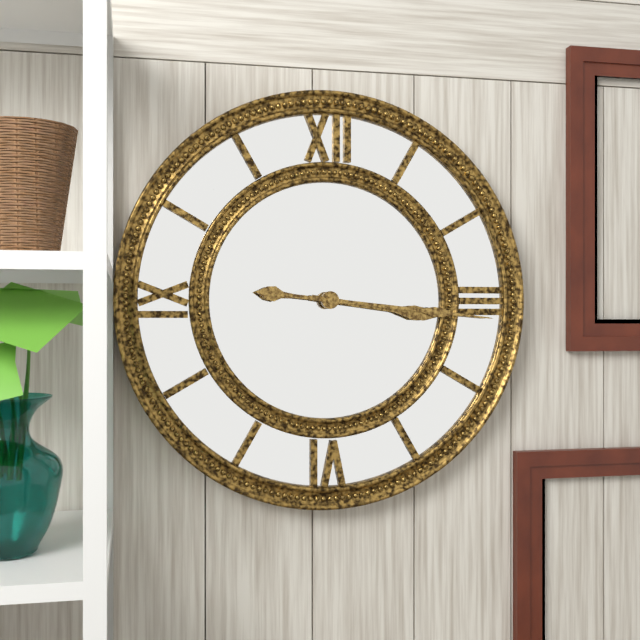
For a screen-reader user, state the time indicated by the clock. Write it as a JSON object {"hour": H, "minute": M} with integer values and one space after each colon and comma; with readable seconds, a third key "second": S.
{"hour": 3, "minute": 16}
